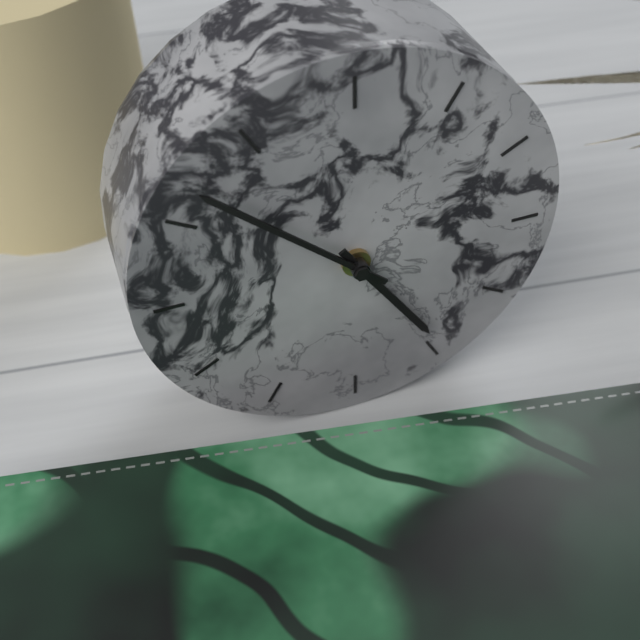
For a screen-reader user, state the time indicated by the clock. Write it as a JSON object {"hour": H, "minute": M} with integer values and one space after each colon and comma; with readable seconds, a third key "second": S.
{"hour": 4, "minute": 52}
